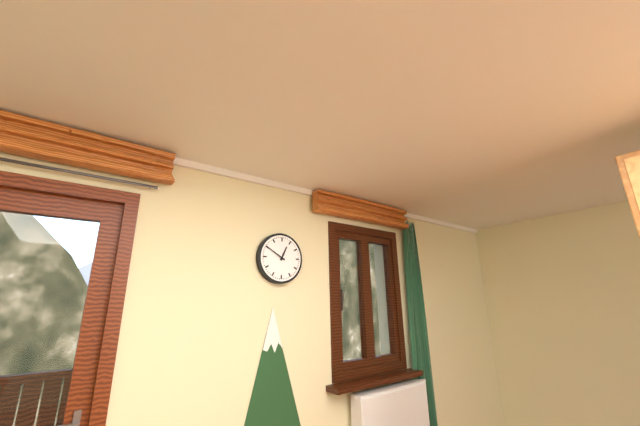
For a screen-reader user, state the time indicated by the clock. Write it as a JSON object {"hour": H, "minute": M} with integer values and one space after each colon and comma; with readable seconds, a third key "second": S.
{"hour": 12, "minute": 50}
